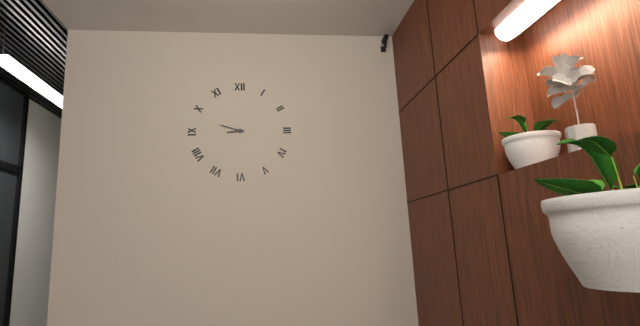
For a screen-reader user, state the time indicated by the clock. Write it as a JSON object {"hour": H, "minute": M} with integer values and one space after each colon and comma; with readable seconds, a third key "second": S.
{"hour": 8, "minute": 48}
